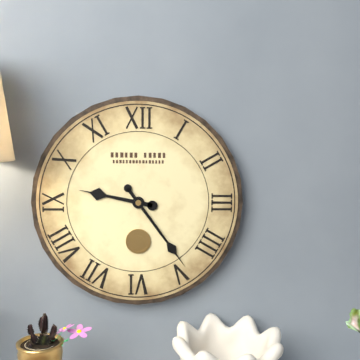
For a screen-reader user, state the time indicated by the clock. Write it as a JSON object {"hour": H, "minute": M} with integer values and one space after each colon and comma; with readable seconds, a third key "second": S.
{"hour": 9, "minute": 24}
